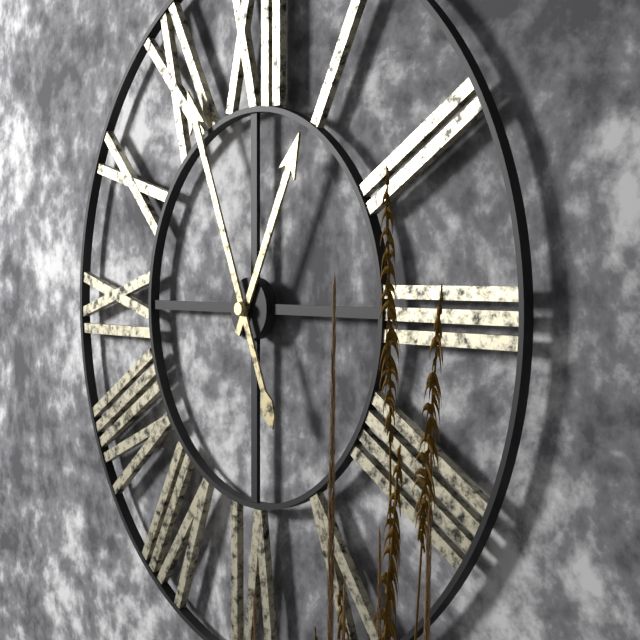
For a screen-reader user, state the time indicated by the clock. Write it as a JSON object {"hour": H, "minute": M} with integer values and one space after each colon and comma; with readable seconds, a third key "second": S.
{"hour": 12, "minute": 56}
